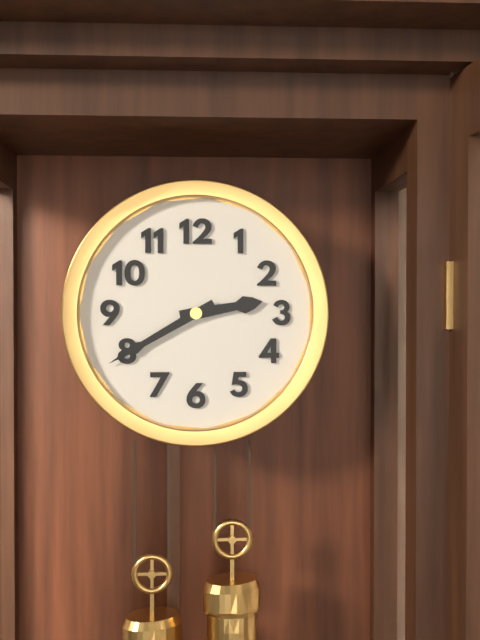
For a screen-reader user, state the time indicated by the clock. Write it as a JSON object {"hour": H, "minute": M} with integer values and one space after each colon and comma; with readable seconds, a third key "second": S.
{"hour": 2, "minute": 40}
